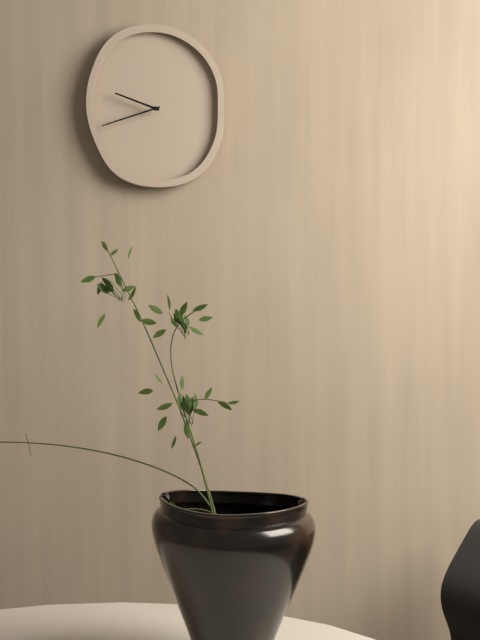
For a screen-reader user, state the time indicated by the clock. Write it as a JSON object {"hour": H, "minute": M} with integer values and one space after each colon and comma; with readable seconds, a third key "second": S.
{"hour": 9, "minute": 42}
